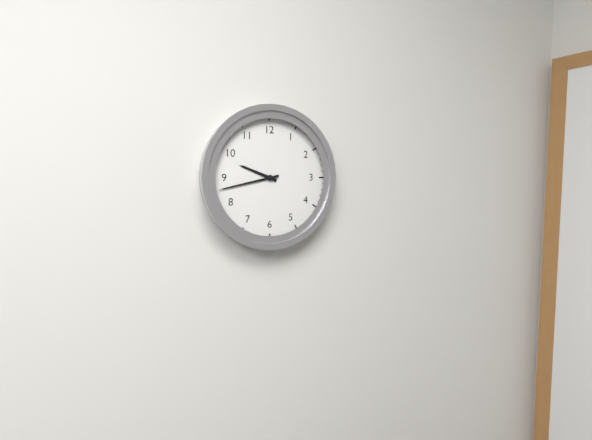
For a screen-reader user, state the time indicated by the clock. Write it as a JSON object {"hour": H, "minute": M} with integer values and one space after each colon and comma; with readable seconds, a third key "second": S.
{"hour": 9, "minute": 43}
